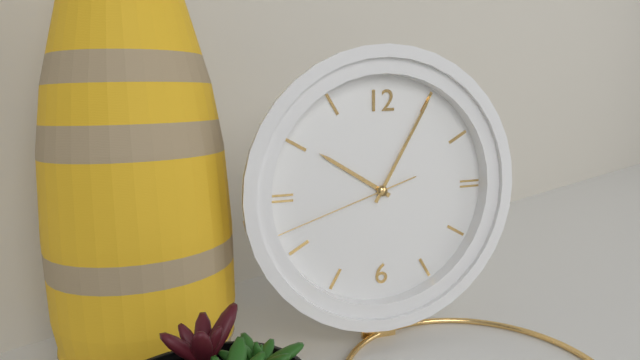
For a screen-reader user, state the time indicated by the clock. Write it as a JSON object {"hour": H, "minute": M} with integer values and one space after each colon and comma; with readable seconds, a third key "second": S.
{"hour": 10, "minute": 5, "second": 42}
